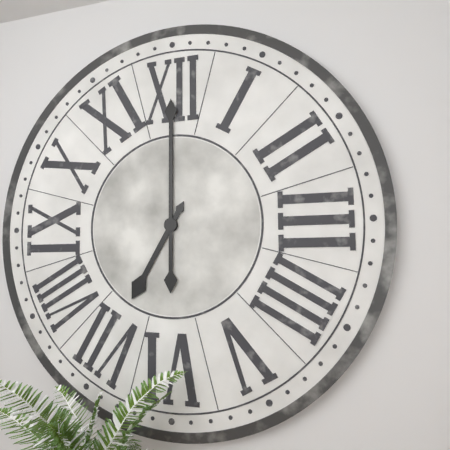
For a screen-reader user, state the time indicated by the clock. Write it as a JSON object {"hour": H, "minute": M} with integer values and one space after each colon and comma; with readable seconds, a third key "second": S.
{"hour": 7, "minute": 0}
